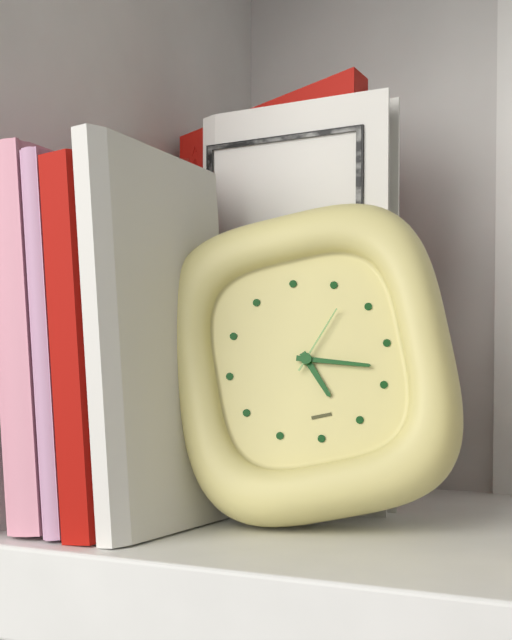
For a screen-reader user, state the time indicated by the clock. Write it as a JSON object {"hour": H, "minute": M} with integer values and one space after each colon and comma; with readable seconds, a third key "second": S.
{"hour": 5, "minute": 18, "second": 7}
